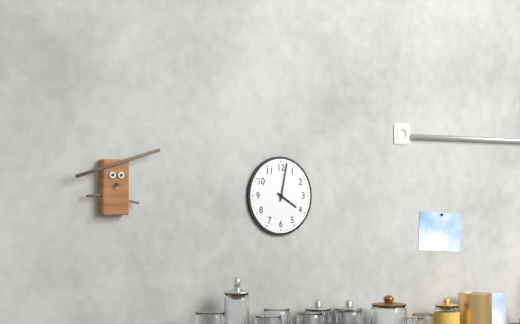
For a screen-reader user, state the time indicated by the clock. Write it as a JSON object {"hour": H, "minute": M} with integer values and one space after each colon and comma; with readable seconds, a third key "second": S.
{"hour": 4, "minute": 2}
